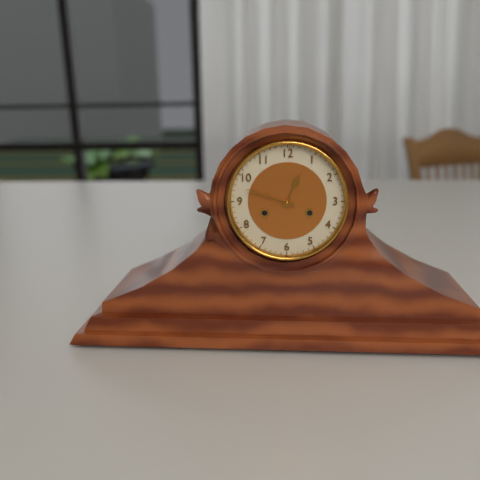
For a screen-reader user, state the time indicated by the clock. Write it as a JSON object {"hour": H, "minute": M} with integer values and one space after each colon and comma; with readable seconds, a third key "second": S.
{"hour": 12, "minute": 48}
